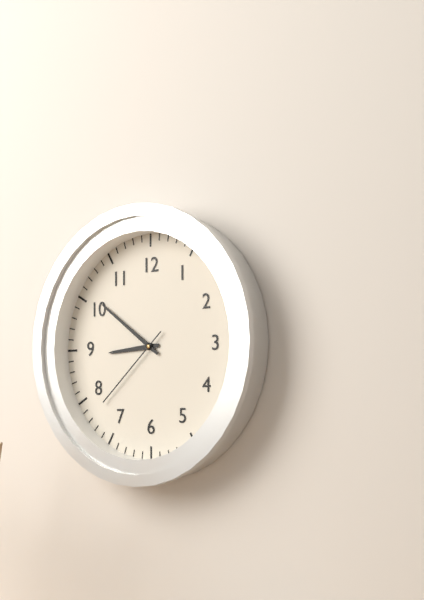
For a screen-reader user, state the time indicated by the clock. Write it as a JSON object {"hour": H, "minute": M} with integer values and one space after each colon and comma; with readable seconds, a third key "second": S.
{"hour": 8, "minute": 51, "second": 38}
